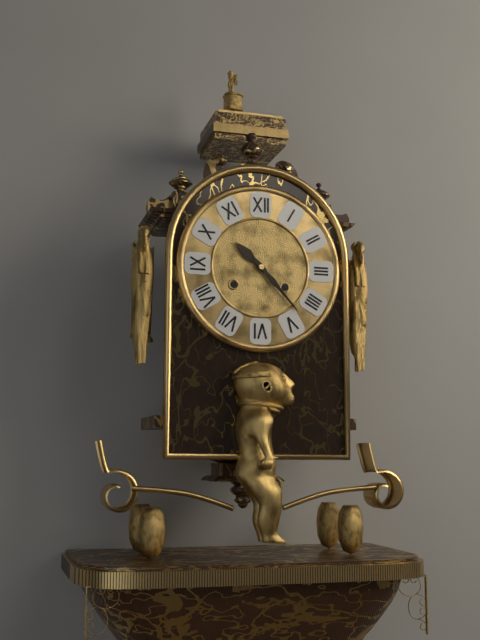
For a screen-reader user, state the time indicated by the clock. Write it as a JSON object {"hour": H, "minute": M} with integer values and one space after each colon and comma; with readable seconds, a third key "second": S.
{"hour": 10, "minute": 23}
